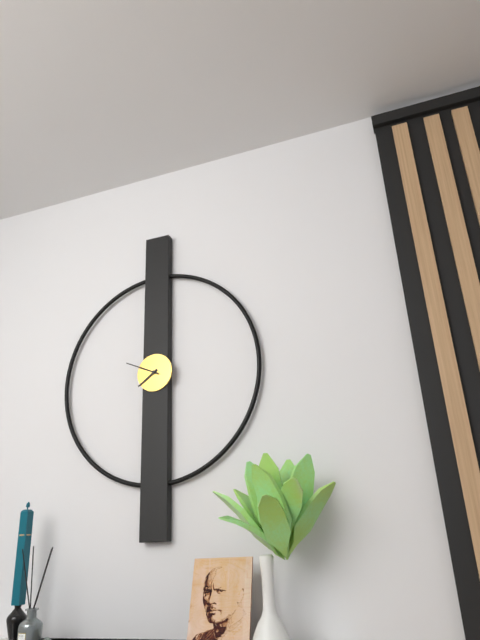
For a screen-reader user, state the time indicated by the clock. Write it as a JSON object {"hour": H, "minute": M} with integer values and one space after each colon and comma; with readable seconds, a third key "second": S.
{"hour": 7, "minute": 49}
